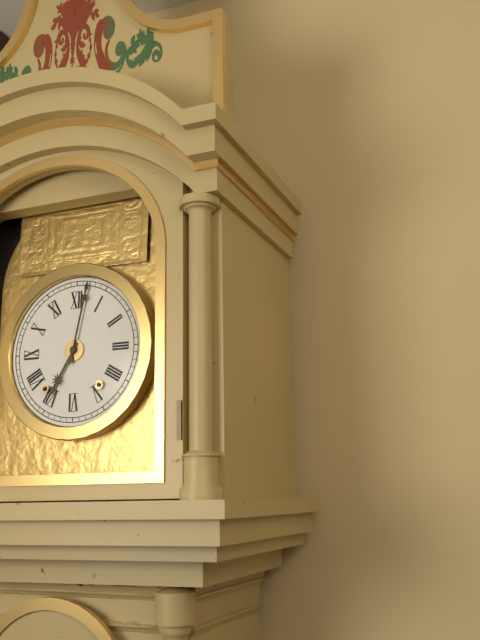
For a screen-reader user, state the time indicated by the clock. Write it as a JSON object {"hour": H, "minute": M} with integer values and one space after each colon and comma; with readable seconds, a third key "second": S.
{"hour": 7, "minute": 2}
